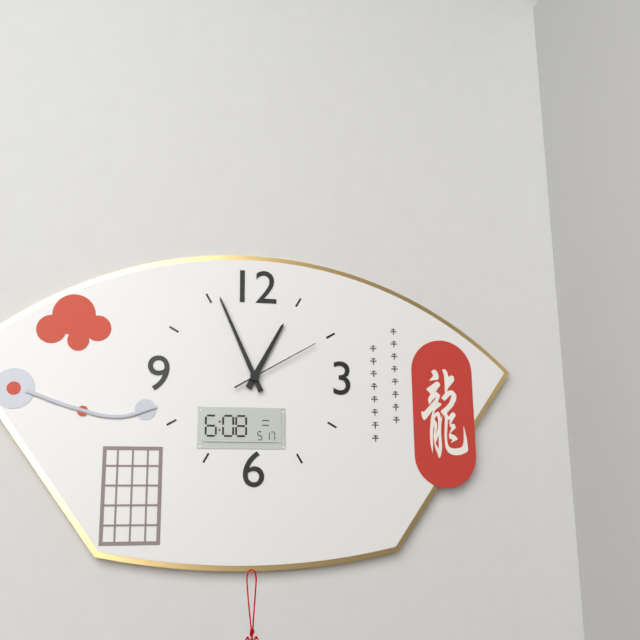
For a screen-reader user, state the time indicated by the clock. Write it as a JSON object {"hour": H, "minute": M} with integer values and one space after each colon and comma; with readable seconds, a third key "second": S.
{"hour": 12, "minute": 56, "second": 10}
